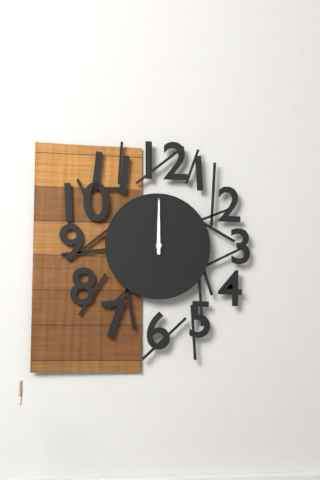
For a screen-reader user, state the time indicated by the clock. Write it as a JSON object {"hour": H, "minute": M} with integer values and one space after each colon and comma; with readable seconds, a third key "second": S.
{"hour": 12, "minute": 0}
